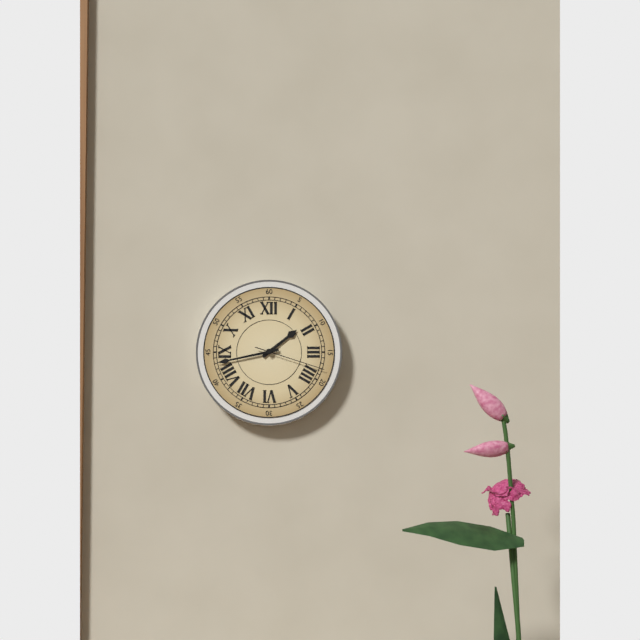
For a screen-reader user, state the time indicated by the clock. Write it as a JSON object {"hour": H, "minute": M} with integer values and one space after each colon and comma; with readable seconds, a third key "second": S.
{"hour": 1, "minute": 43, "second": 18}
